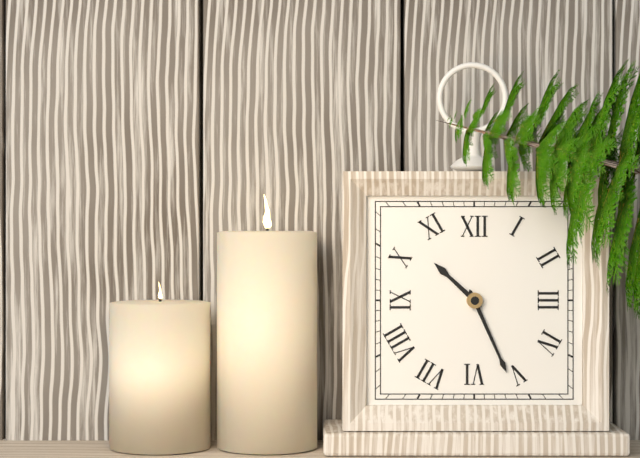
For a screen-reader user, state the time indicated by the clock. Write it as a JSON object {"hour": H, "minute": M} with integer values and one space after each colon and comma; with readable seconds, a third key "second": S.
{"hour": 10, "minute": 26}
